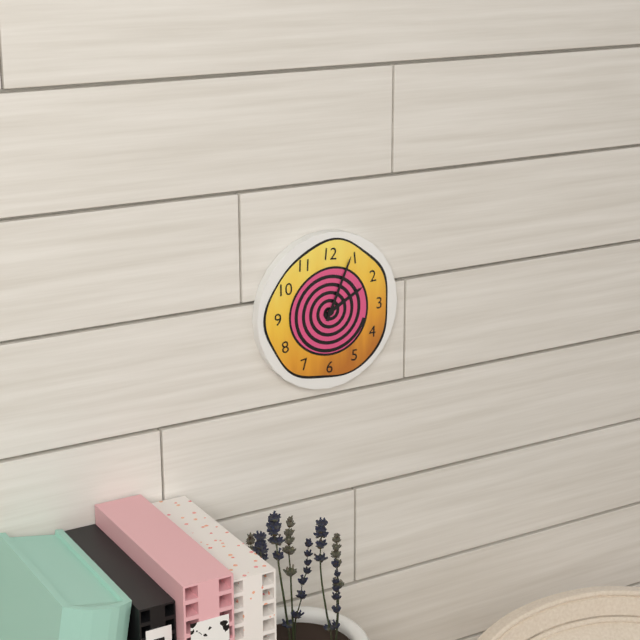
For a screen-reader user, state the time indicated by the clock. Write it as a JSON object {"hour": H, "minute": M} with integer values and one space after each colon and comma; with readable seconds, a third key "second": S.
{"hour": 2, "minute": 4}
